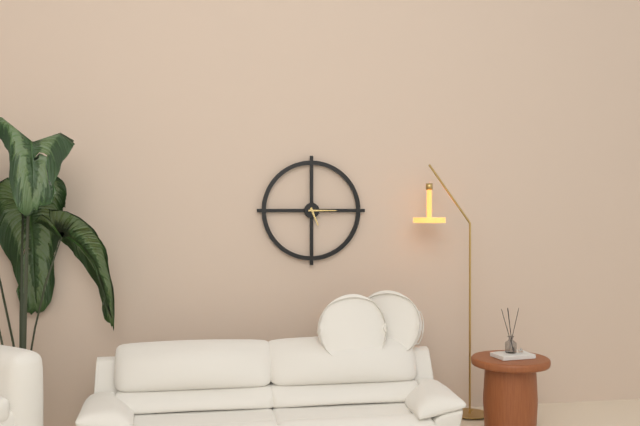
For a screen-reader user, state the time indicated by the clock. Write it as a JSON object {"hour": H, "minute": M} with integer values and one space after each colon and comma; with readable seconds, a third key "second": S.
{"hour": 5, "minute": 15}
